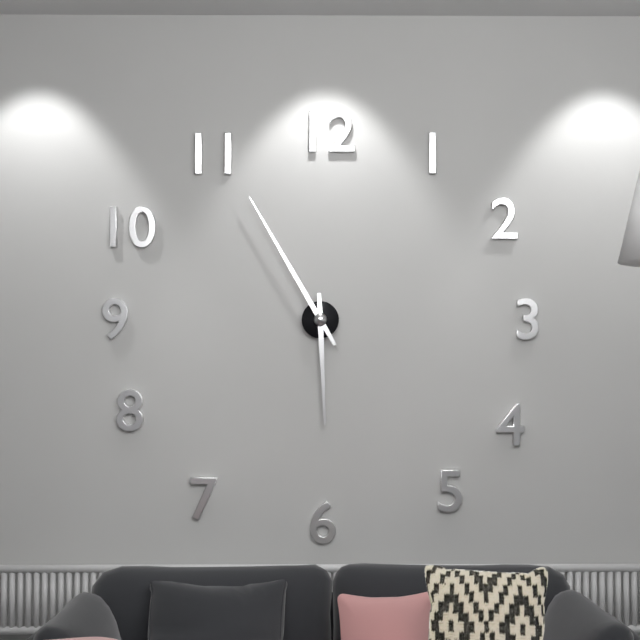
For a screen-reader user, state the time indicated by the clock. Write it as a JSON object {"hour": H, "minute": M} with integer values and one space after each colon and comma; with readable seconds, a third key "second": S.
{"hour": 5, "minute": 55}
